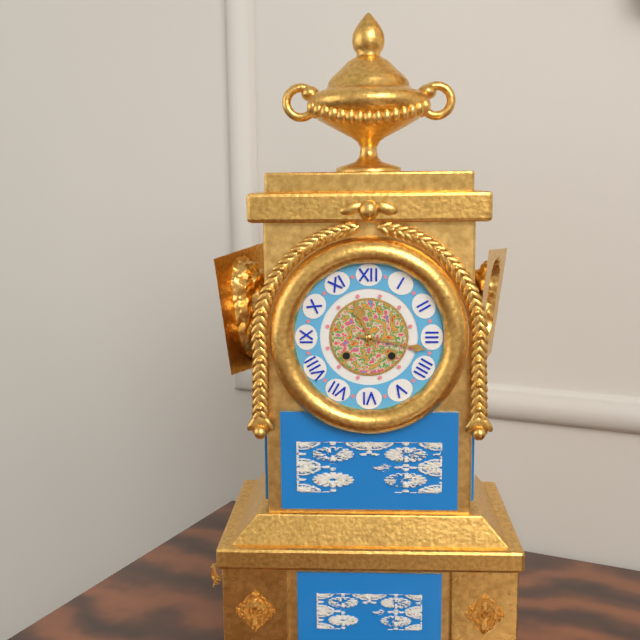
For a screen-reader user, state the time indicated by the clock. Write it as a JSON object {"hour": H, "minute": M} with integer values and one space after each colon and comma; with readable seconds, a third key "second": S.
{"hour": 11, "minute": 17}
